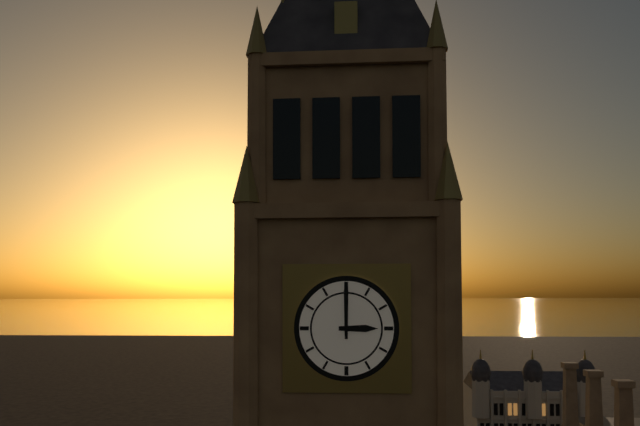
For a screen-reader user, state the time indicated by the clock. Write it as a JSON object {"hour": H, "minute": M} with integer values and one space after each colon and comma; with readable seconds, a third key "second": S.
{"hour": 3, "minute": 0}
